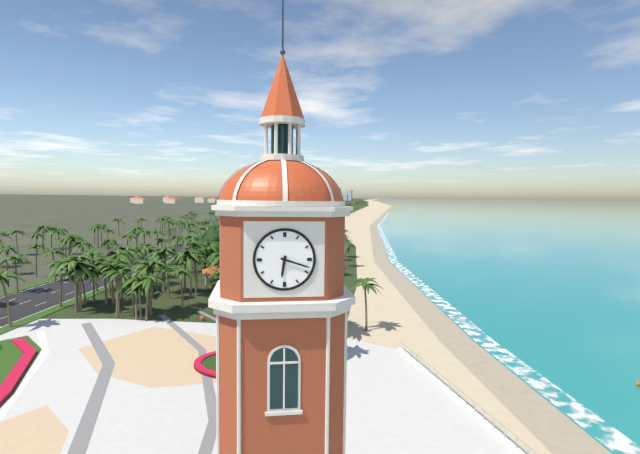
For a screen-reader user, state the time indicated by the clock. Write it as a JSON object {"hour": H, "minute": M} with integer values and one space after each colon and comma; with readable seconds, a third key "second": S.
{"hour": 6, "minute": 18}
